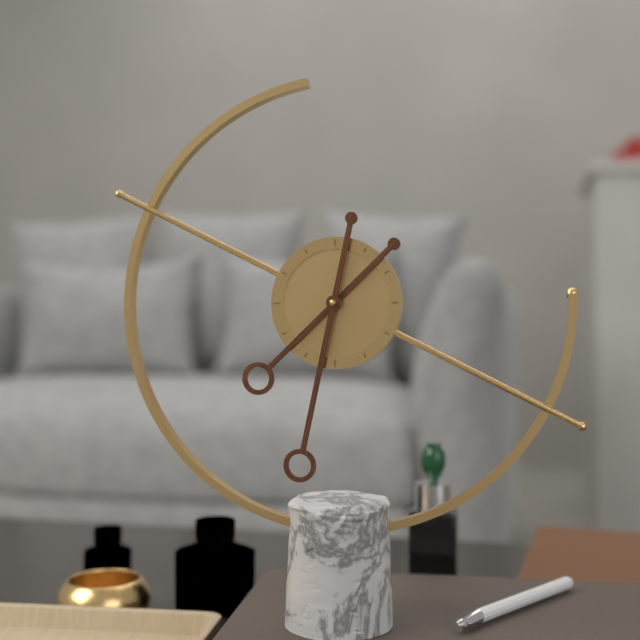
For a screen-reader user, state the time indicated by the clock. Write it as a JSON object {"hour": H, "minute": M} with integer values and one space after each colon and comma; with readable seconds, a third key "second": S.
{"hour": 7, "minute": 32}
